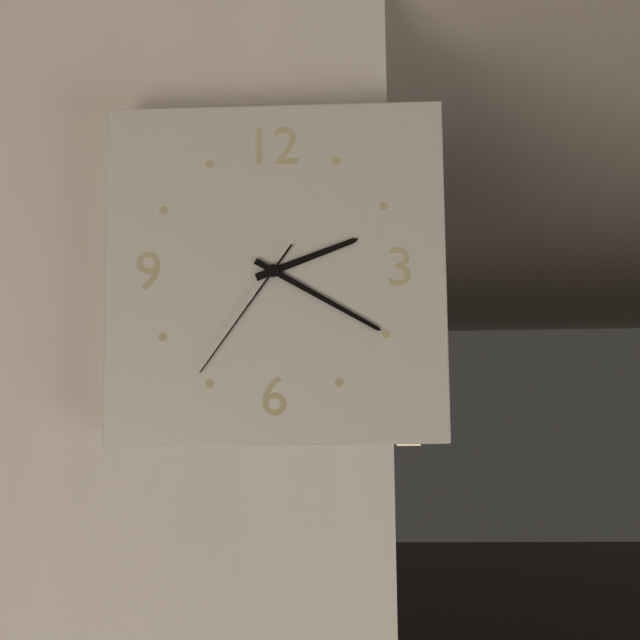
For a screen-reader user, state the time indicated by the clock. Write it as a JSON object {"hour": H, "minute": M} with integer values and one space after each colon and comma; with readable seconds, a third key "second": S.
{"hour": 2, "minute": 20, "second": 36}
